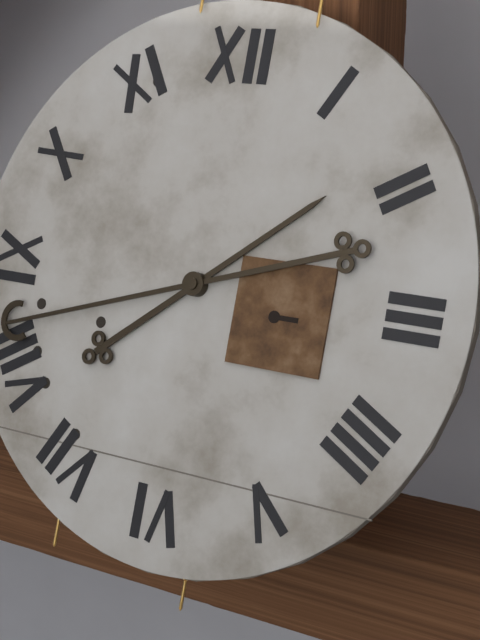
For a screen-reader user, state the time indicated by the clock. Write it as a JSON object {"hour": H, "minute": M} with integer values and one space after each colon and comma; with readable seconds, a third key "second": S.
{"hour": 1, "minute": 42}
